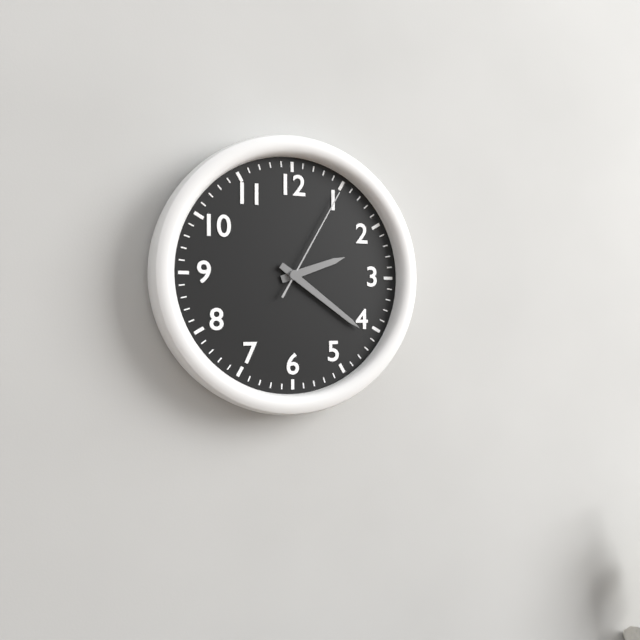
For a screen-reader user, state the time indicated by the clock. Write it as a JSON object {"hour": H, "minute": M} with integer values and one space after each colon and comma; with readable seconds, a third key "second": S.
{"hour": 2, "minute": 21, "second": 5}
